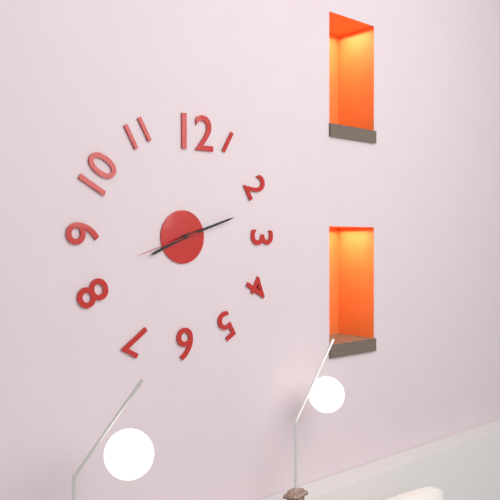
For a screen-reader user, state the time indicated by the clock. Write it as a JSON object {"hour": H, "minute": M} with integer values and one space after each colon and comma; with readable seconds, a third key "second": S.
{"hour": 8, "minute": 12, "second": 42}
